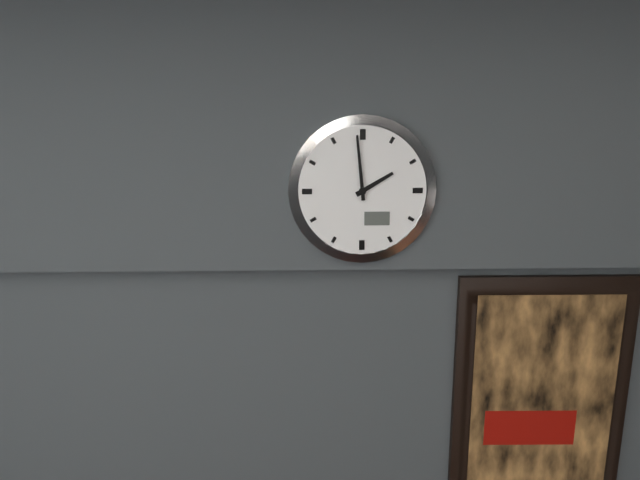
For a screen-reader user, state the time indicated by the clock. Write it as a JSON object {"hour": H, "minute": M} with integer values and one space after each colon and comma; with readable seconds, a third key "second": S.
{"hour": 1, "minute": 59}
